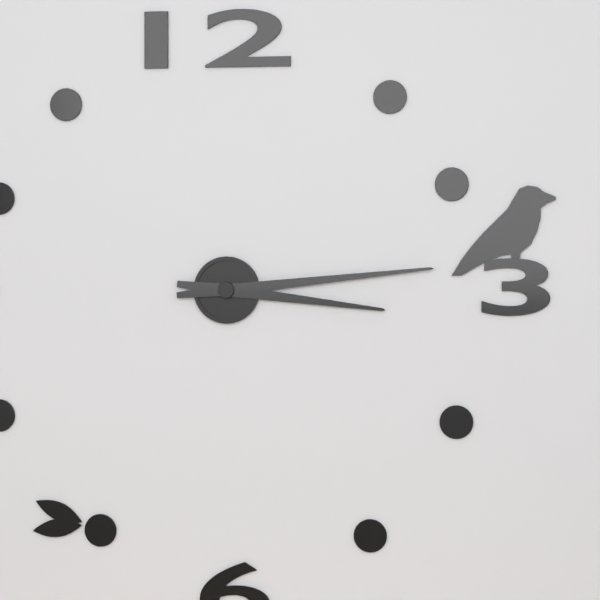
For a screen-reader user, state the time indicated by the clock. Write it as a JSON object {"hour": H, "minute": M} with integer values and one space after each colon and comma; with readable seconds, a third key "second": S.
{"hour": 3, "minute": 14}
